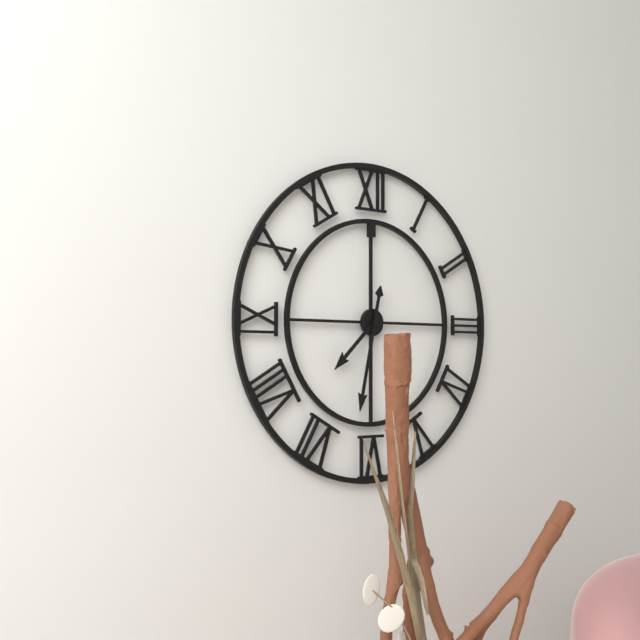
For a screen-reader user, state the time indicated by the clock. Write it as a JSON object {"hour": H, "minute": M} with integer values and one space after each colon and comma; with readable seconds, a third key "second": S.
{"hour": 7, "minute": 32}
